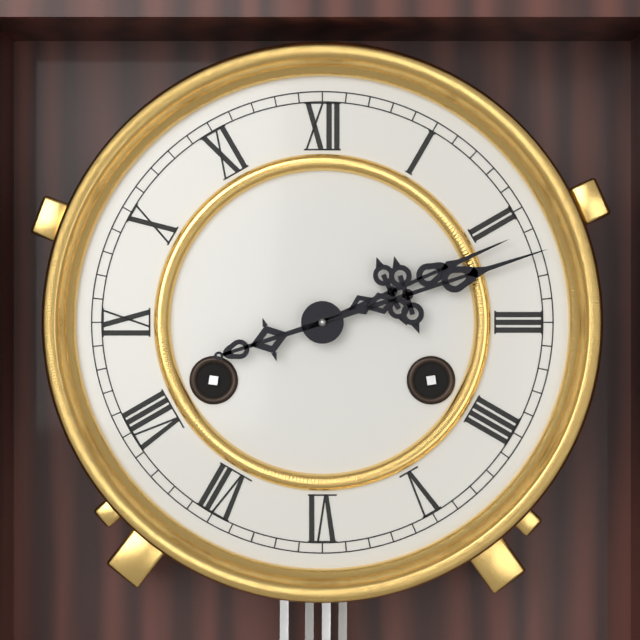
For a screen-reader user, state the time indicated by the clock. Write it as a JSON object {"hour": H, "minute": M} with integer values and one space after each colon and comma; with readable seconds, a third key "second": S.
{"hour": 2, "minute": 12}
